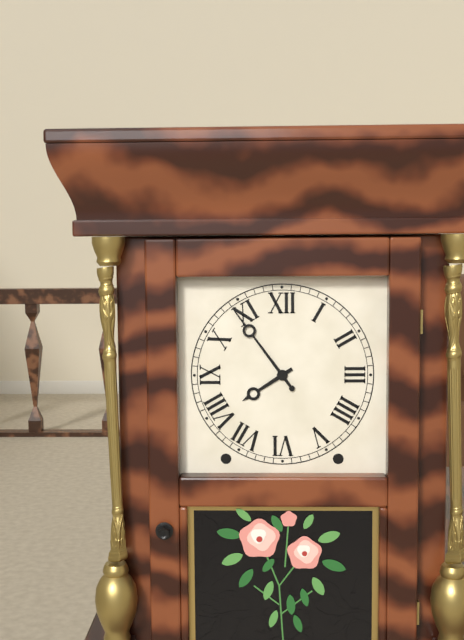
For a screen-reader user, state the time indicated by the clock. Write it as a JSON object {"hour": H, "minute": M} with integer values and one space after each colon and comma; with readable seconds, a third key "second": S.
{"hour": 7, "minute": 54}
